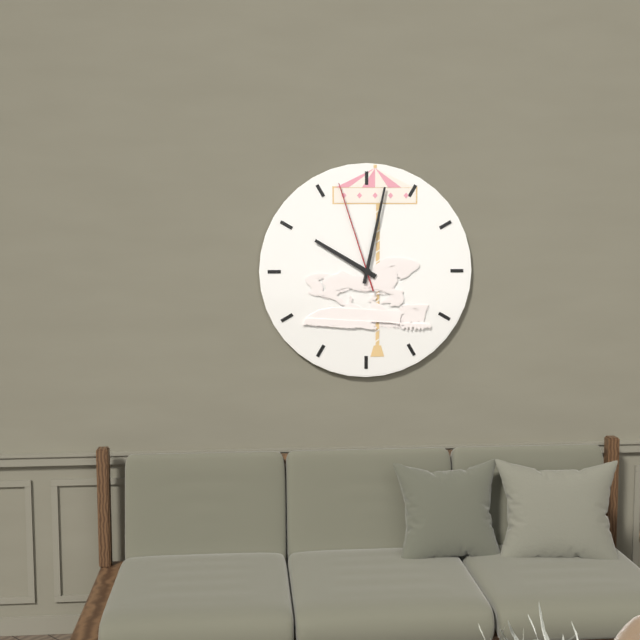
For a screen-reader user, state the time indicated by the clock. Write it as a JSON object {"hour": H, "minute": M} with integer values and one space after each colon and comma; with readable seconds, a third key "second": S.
{"hour": 10, "minute": 2, "second": 57}
